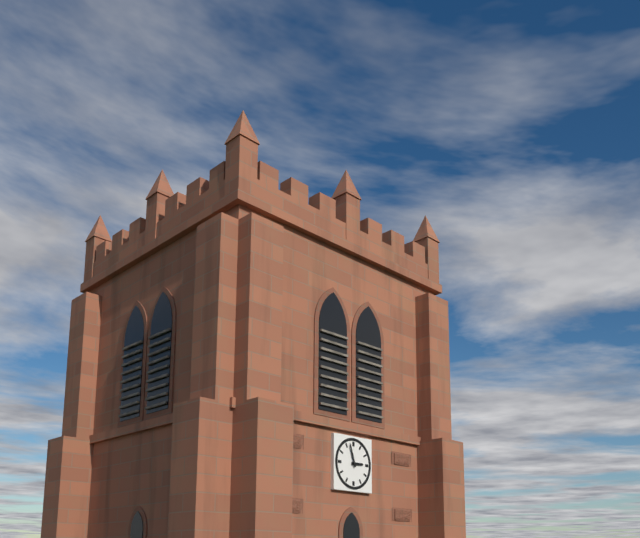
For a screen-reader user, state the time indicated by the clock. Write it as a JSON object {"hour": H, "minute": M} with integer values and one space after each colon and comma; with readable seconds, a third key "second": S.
{"hour": 2, "minute": 57}
